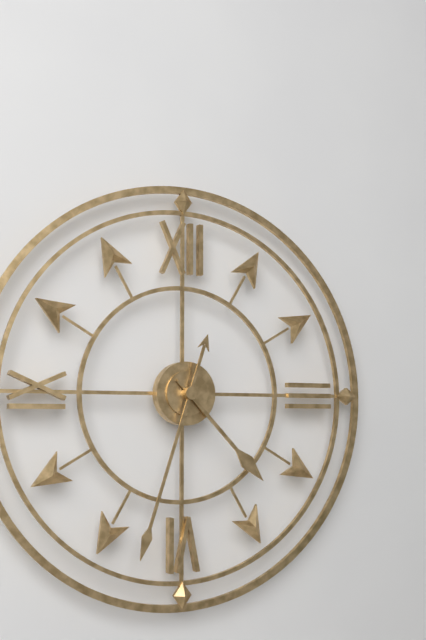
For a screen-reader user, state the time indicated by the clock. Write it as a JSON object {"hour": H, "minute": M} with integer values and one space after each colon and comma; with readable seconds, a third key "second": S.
{"hour": 4, "minute": 33}
